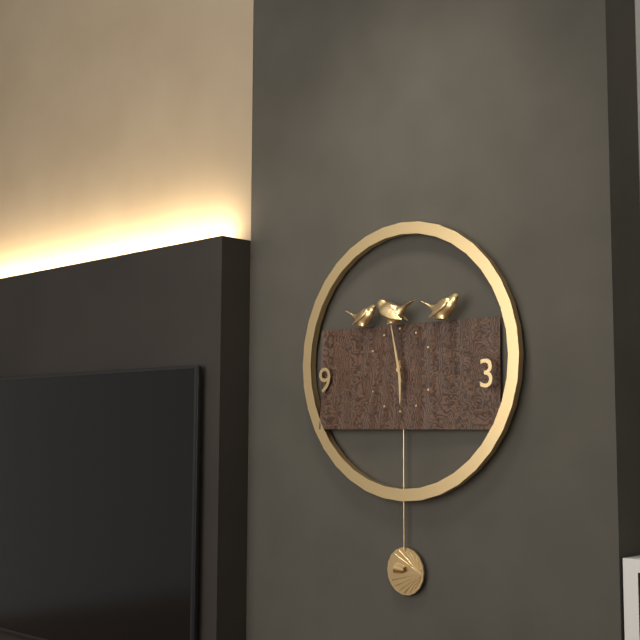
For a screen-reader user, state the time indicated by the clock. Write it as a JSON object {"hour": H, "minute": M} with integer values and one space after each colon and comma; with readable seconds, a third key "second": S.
{"hour": 5, "minute": 58}
